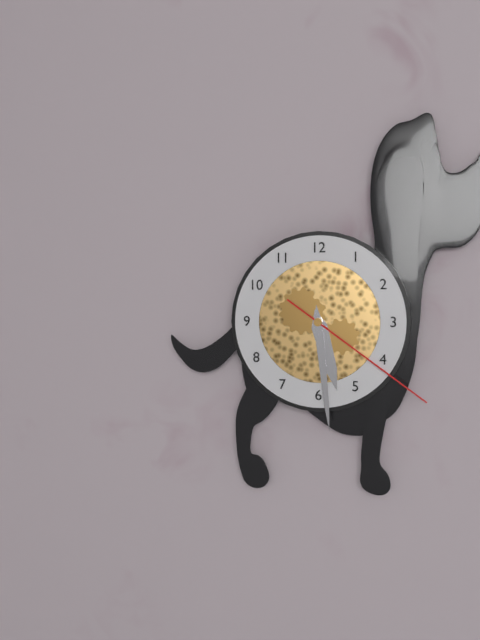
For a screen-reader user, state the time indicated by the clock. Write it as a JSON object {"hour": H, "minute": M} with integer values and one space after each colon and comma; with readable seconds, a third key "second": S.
{"hour": 5, "minute": 29, "second": 21}
